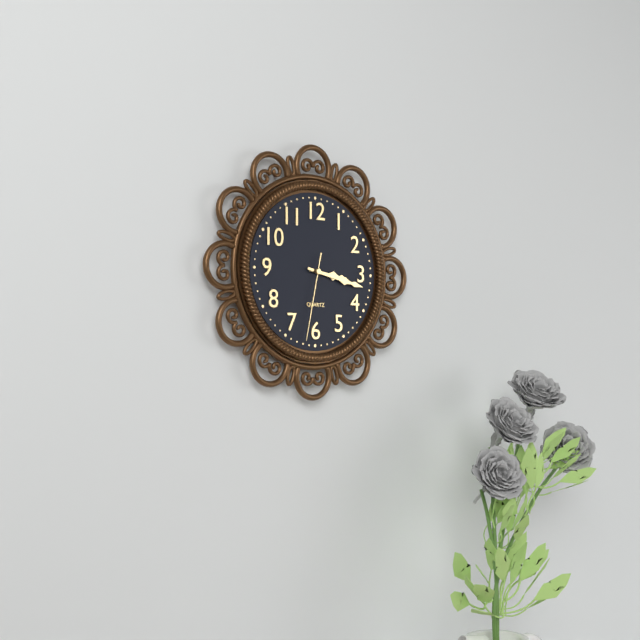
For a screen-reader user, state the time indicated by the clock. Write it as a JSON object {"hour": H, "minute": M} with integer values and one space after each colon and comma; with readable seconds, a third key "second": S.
{"hour": 3, "minute": 17, "second": 32}
